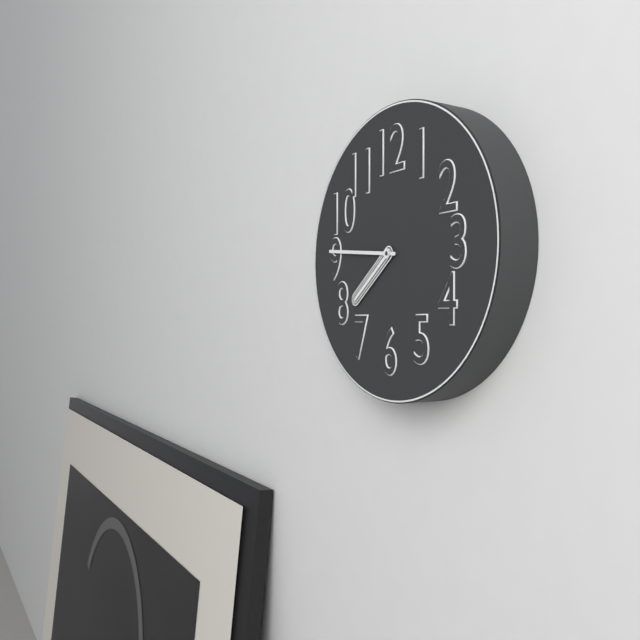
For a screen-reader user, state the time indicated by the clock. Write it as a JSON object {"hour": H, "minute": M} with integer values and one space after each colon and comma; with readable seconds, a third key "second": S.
{"hour": 7, "minute": 46}
